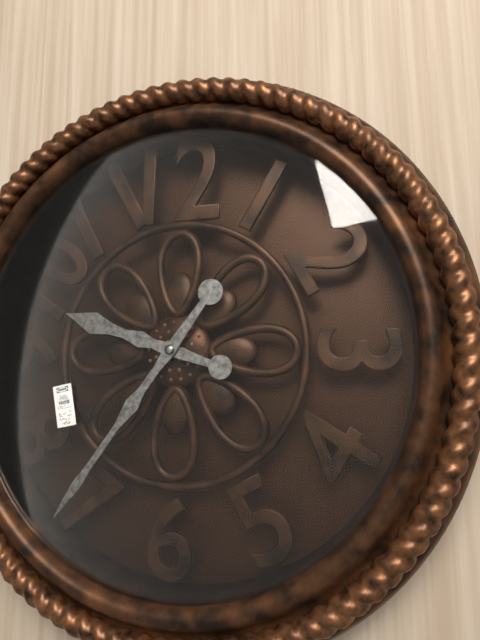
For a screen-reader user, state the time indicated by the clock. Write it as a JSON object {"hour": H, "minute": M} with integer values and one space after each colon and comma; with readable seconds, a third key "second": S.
{"hour": 9, "minute": 36}
